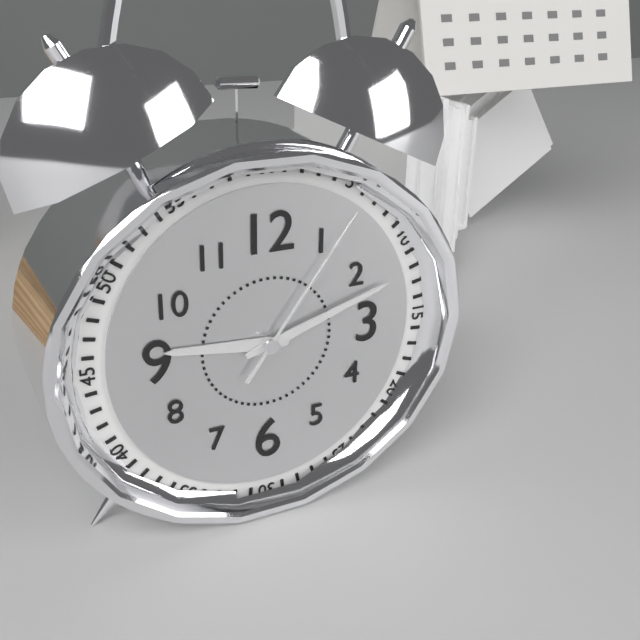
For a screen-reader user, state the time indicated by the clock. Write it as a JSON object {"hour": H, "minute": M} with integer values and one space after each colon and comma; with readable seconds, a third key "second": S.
{"hour": 9, "minute": 12, "second": 6}
